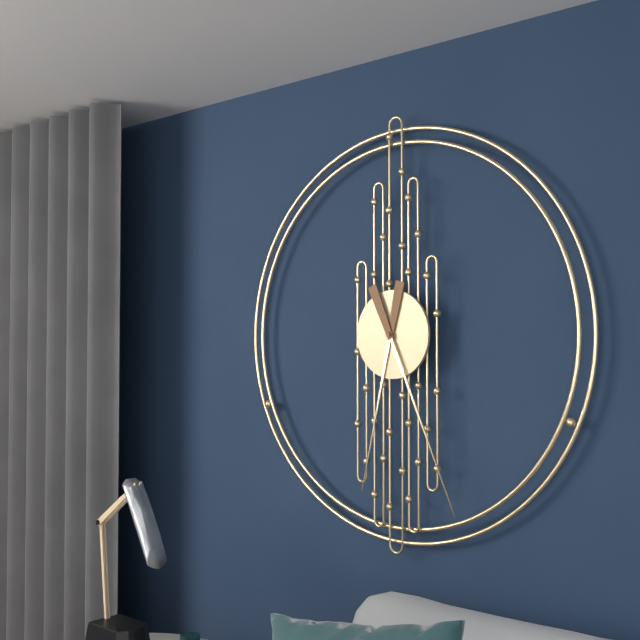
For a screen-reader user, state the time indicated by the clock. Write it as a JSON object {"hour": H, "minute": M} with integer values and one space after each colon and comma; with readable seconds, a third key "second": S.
{"hour": 6, "minute": 26}
